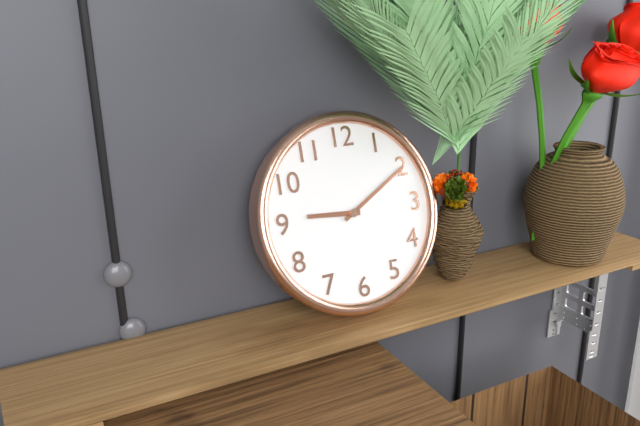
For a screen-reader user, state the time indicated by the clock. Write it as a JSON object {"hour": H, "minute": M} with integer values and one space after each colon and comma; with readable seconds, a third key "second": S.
{"hour": 9, "minute": 10}
